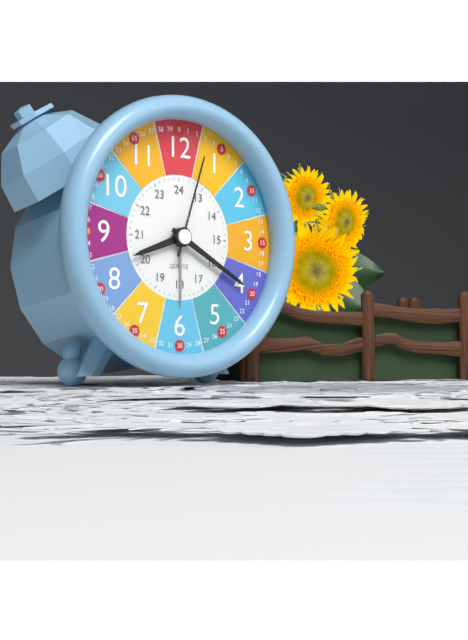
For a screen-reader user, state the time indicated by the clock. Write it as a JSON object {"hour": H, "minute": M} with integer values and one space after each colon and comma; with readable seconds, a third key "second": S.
{"hour": 8, "minute": 20, "second": 3}
